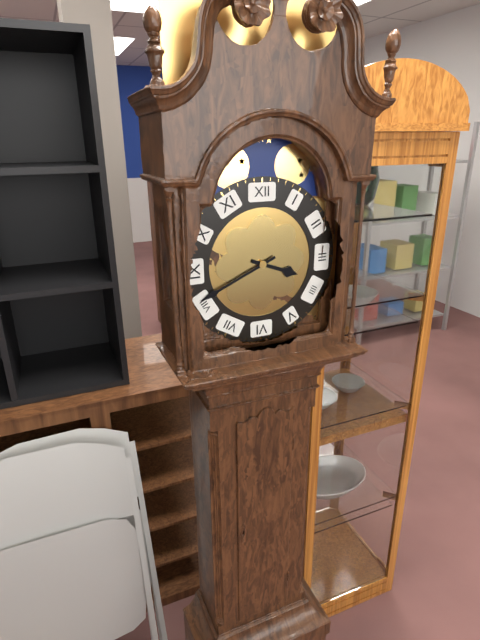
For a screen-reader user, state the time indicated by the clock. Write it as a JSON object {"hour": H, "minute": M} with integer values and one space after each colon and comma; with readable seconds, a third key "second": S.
{"hour": 3, "minute": 41}
